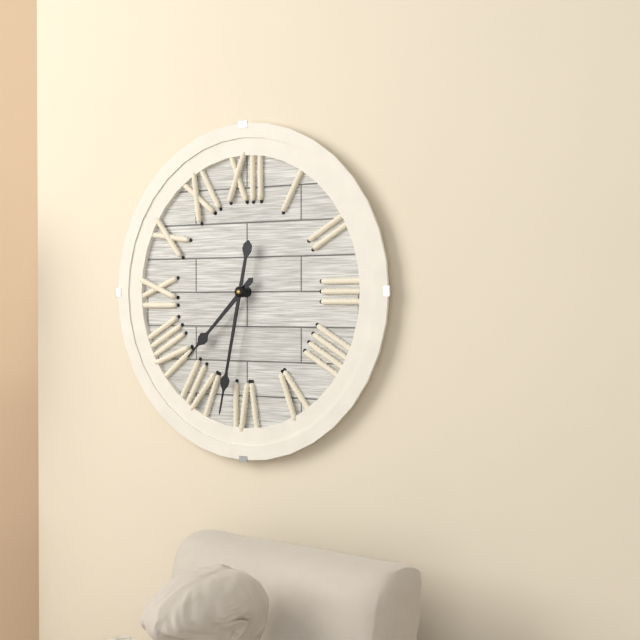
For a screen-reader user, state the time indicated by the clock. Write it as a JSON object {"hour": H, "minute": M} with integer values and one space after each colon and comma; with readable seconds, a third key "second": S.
{"hour": 7, "minute": 32}
